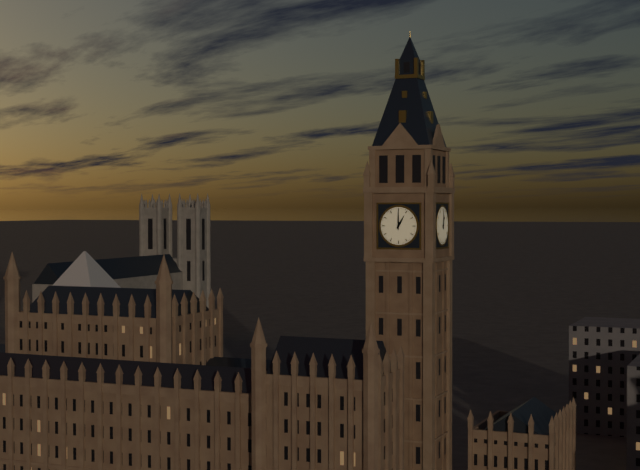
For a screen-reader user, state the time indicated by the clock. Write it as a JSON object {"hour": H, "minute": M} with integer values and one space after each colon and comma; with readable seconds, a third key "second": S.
{"hour": 1, "minute": 0}
